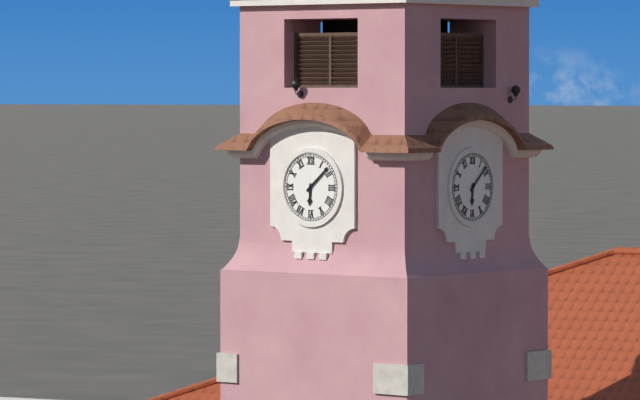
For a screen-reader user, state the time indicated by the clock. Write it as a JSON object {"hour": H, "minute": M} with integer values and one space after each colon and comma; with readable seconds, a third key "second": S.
{"hour": 6, "minute": 8}
